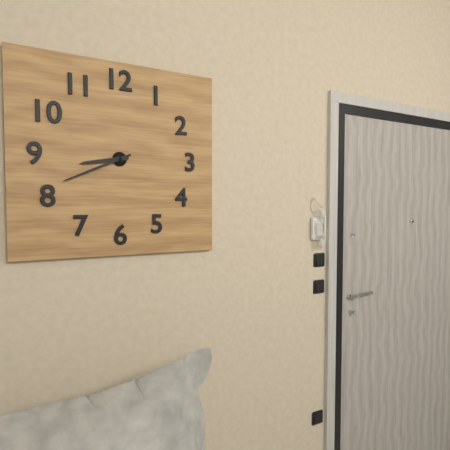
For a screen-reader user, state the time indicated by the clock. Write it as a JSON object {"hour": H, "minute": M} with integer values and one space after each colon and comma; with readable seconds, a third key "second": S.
{"hour": 8, "minute": 41}
